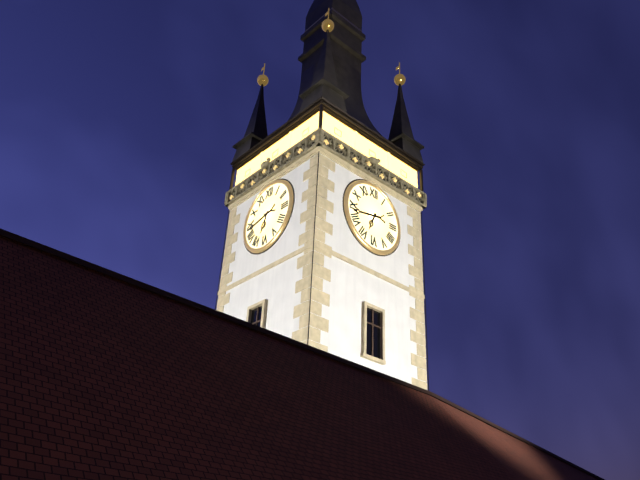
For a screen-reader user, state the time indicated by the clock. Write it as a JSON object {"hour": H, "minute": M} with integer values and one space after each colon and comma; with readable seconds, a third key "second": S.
{"hour": 6, "minute": 43}
